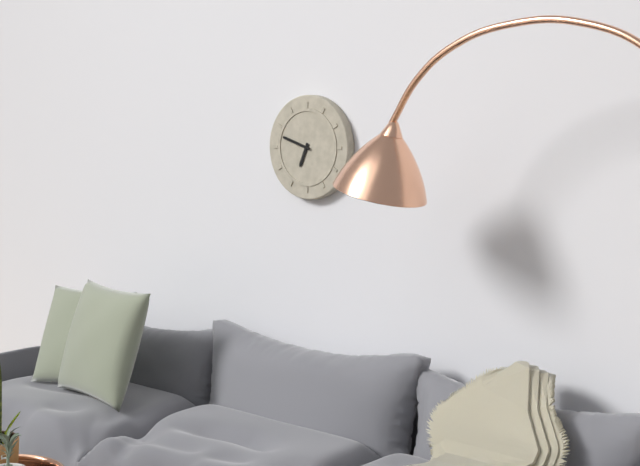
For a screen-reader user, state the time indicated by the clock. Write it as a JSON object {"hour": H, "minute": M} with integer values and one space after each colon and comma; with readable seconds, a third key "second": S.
{"hour": 6, "minute": 48}
